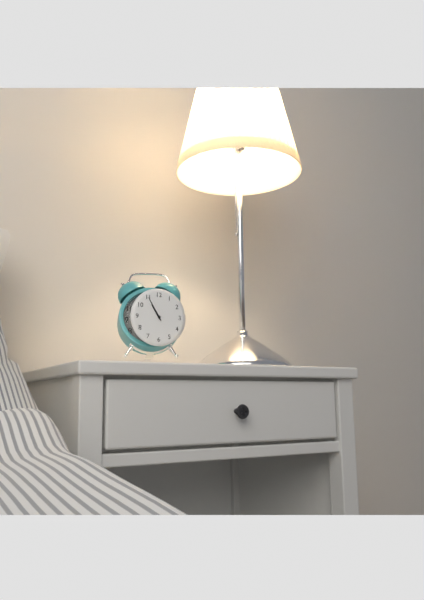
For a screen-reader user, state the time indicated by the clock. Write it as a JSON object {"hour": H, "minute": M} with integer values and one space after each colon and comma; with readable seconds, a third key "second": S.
{"hour": 10, "minute": 55}
